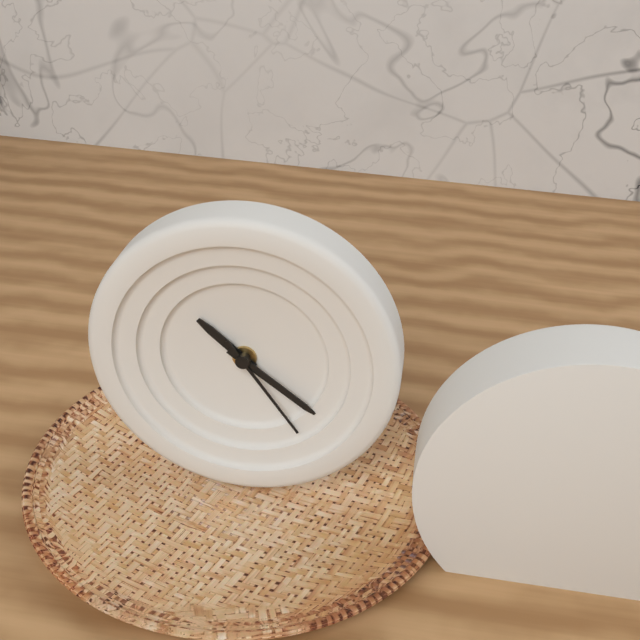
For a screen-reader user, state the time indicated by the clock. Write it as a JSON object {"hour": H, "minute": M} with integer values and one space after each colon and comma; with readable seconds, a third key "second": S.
{"hour": 10, "minute": 21, "second": 24}
